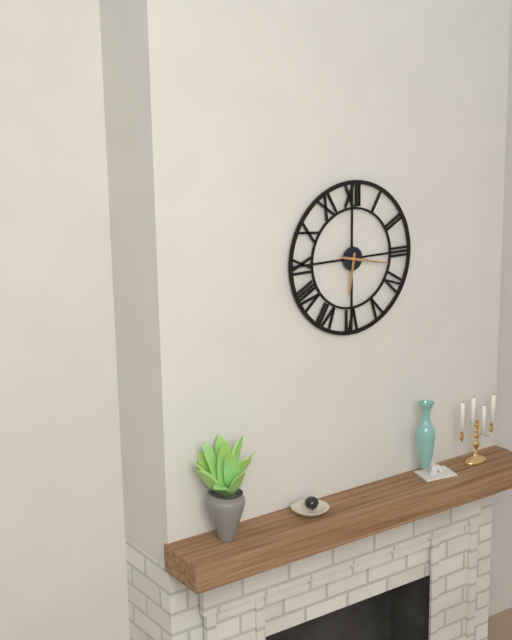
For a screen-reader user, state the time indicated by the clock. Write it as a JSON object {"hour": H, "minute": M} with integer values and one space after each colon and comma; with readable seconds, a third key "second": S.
{"hour": 6, "minute": 17}
